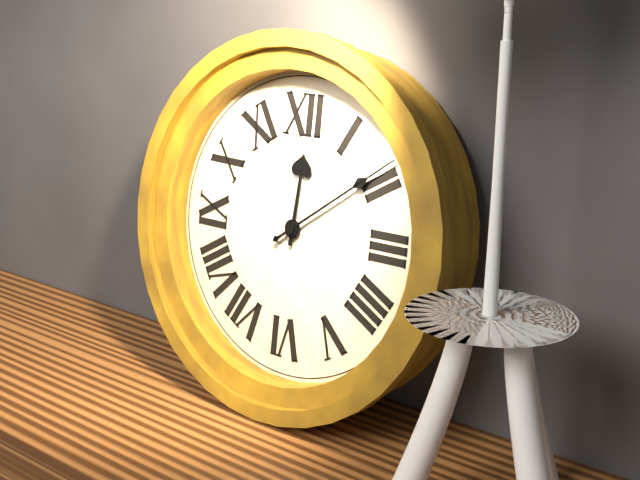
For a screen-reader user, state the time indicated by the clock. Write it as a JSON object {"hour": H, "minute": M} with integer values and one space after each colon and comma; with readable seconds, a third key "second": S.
{"hour": 12, "minute": 9}
